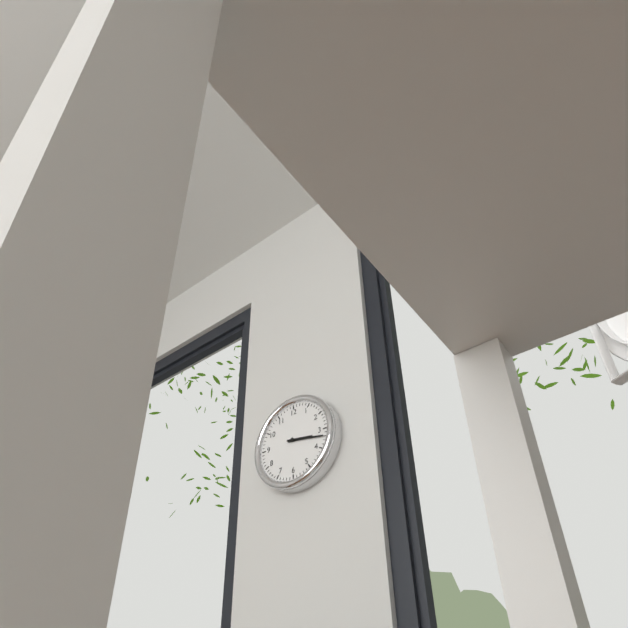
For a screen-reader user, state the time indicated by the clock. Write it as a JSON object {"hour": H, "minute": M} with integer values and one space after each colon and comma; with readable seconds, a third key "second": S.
{"hour": 3, "minute": 17}
